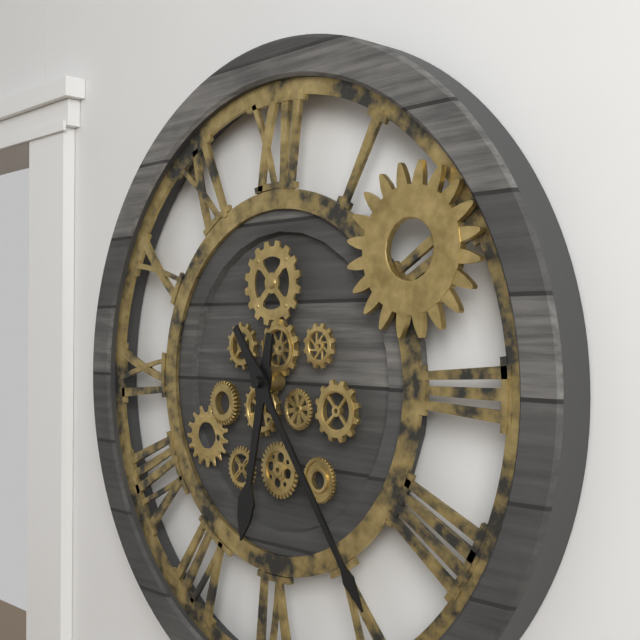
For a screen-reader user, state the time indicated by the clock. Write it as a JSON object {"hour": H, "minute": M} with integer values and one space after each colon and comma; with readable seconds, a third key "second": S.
{"hour": 6, "minute": 24}
